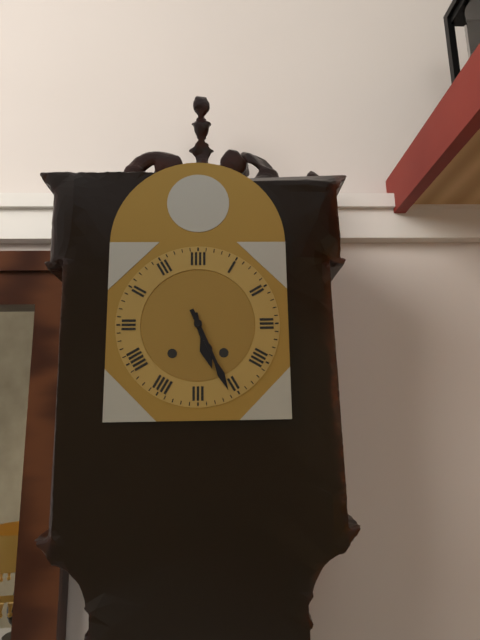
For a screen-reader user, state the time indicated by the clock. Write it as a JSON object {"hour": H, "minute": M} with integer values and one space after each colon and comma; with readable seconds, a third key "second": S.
{"hour": 5, "minute": 26}
